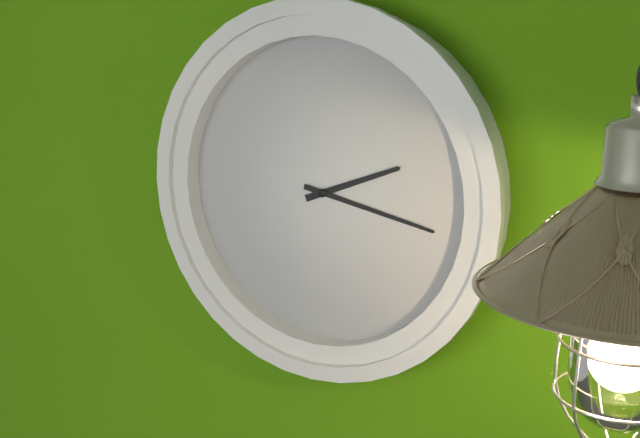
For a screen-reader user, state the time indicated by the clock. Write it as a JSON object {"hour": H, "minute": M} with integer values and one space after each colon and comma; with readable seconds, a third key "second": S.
{"hour": 2, "minute": 17}
